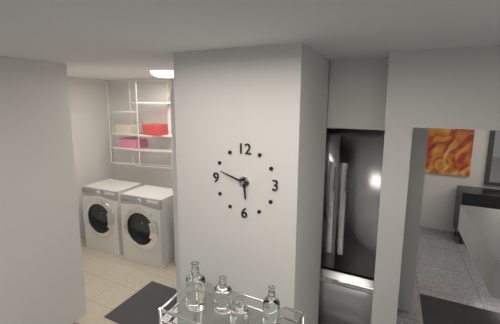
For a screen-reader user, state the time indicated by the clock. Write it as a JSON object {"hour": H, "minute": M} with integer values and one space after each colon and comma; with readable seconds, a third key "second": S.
{"hour": 5, "minute": 48}
